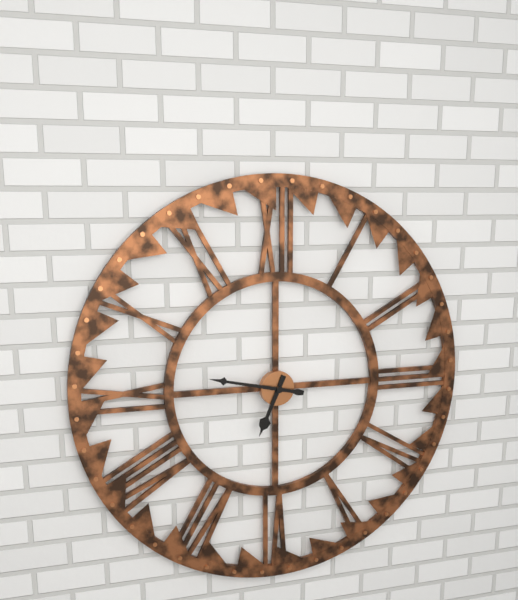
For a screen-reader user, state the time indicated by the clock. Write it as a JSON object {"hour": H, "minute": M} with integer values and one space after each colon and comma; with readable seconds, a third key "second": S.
{"hour": 6, "minute": 47}
